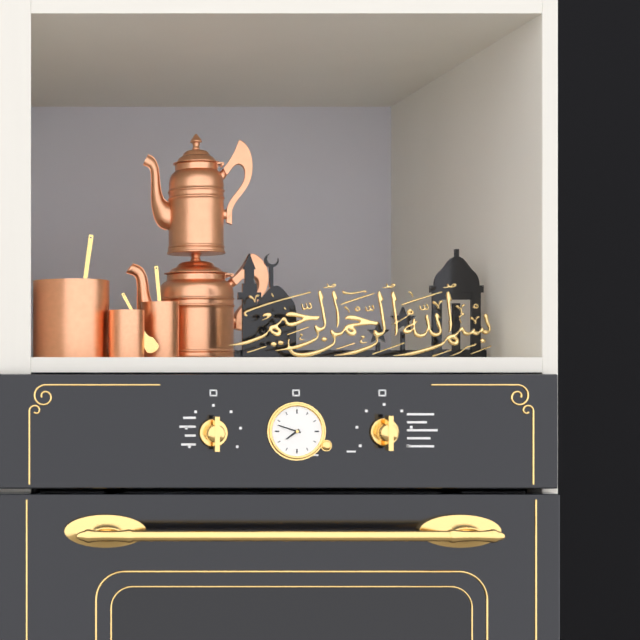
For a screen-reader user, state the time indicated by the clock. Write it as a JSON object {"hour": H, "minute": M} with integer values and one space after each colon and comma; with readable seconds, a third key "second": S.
{"hour": 7, "minute": 48}
